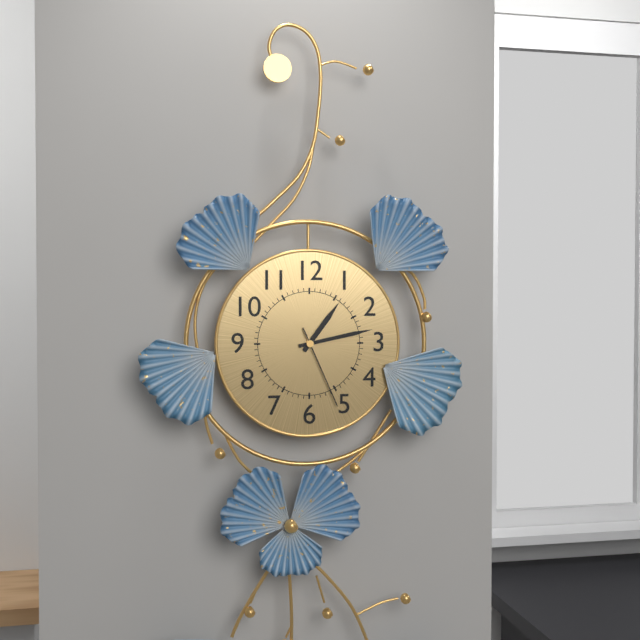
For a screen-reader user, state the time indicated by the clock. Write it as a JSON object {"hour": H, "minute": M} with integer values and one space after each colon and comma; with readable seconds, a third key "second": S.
{"hour": 1, "minute": 13, "second": 26}
